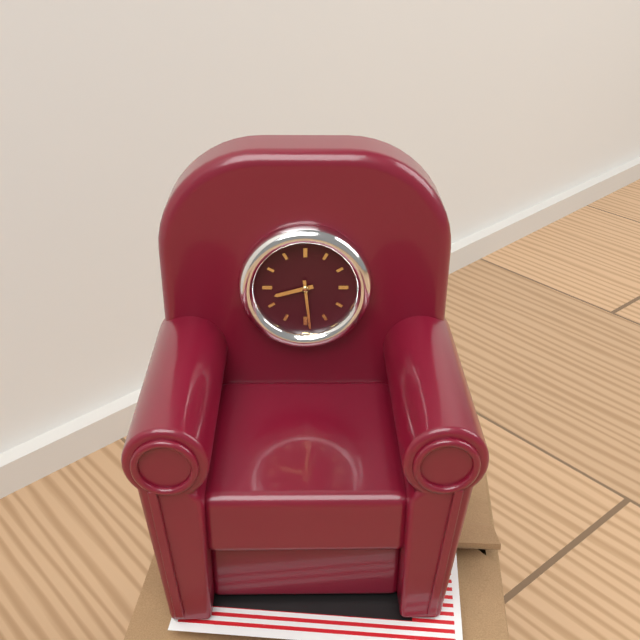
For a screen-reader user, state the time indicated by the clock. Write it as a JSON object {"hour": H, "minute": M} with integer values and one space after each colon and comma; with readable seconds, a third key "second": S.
{"hour": 8, "minute": 29}
